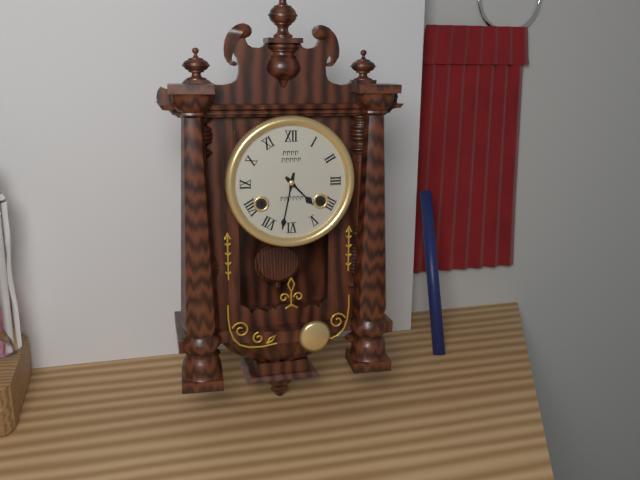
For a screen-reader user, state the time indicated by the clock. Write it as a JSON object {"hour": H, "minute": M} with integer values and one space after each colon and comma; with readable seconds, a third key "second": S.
{"hour": 4, "minute": 32}
